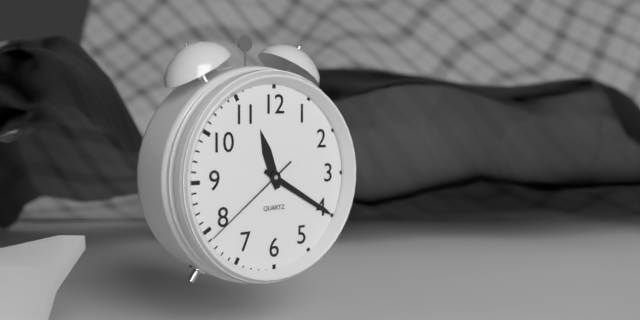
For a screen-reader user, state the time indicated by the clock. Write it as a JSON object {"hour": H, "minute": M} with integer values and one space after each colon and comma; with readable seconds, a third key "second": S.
{"hour": 11, "minute": 20, "second": 39}
